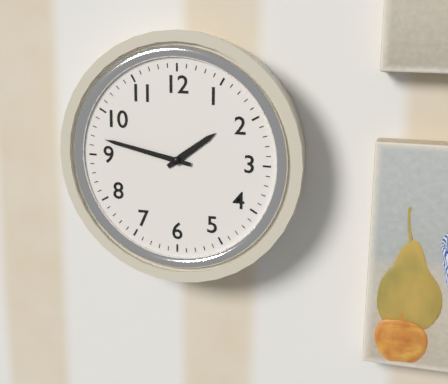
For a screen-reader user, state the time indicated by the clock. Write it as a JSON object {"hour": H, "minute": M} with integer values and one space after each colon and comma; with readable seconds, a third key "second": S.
{"hour": 1, "minute": 47}
